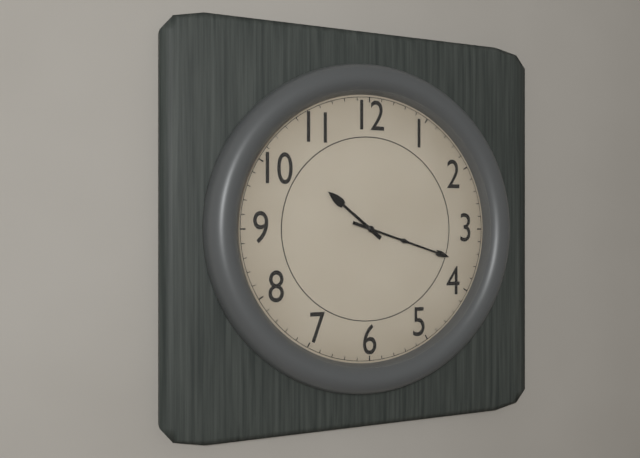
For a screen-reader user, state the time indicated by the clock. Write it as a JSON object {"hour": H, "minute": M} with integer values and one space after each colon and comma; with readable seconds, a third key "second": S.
{"hour": 10, "minute": 18}
